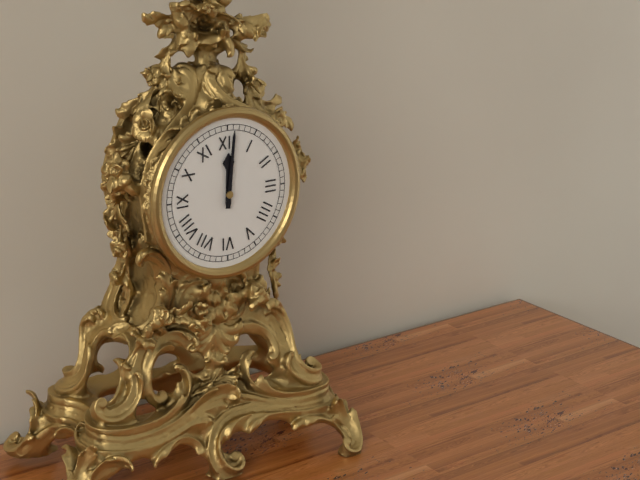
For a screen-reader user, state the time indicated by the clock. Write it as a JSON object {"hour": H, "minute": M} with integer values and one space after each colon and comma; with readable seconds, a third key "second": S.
{"hour": 12, "minute": 1}
